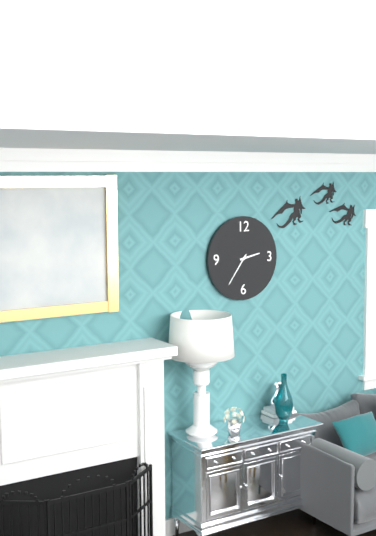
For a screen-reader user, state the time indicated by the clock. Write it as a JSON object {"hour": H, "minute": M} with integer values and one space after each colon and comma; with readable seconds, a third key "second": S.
{"hour": 2, "minute": 36}
